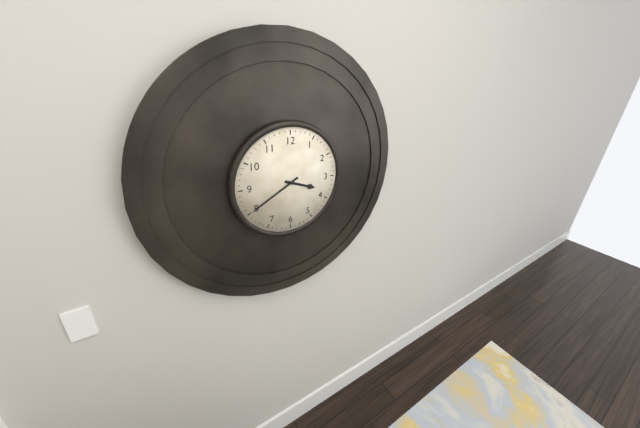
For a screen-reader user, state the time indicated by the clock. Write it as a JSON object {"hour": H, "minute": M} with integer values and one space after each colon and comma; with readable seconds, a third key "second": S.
{"hour": 3, "minute": 40}
